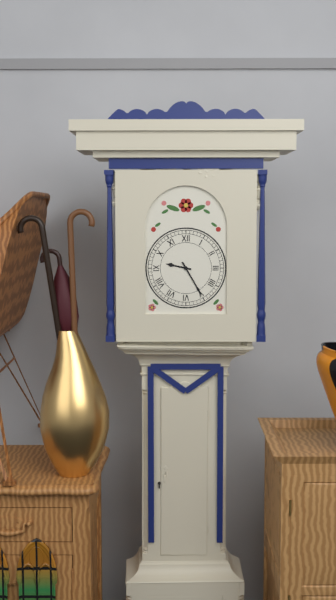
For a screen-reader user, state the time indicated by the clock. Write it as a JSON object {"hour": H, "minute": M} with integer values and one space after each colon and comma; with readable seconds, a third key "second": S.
{"hour": 9, "minute": 25}
